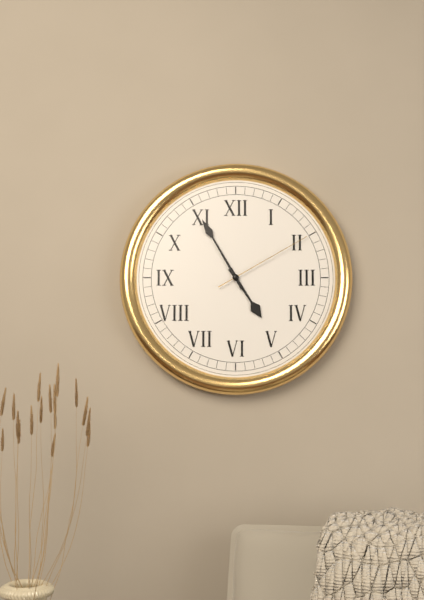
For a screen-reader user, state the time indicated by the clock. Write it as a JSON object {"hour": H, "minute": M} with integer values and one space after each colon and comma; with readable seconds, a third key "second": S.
{"hour": 4, "minute": 55, "second": 10}
